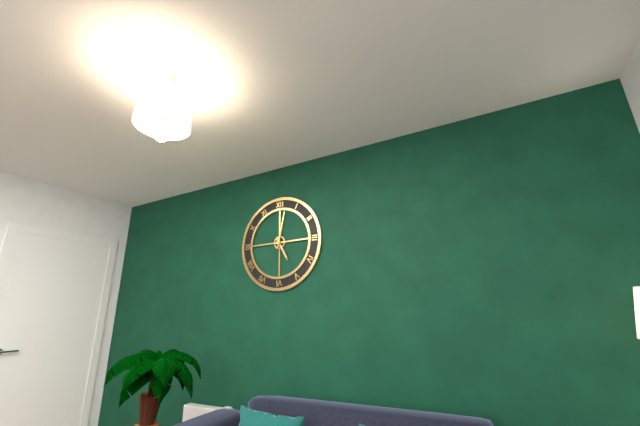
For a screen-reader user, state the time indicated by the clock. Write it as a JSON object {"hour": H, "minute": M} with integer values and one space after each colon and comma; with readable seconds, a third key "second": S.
{"hour": 5, "minute": 2}
